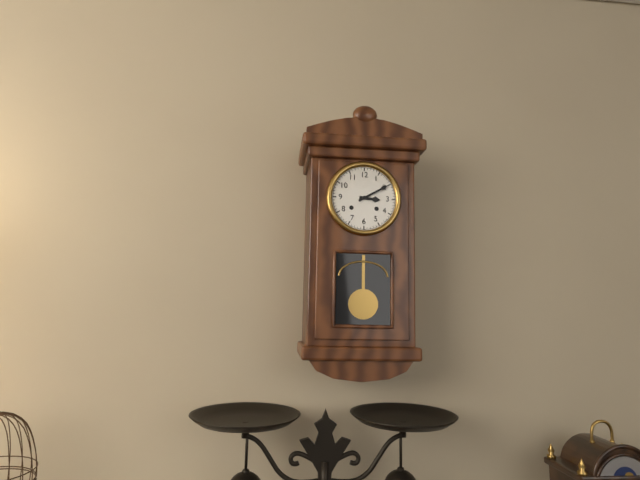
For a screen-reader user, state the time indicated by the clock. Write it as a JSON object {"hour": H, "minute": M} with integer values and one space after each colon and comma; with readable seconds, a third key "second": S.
{"hour": 3, "minute": 10}
